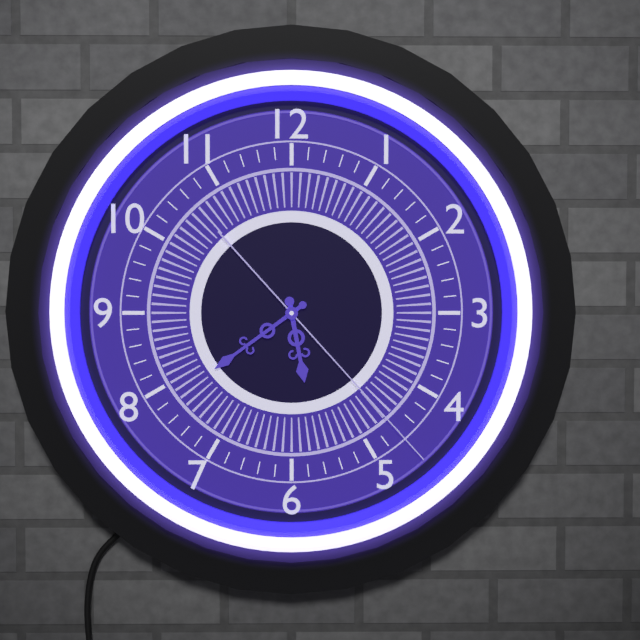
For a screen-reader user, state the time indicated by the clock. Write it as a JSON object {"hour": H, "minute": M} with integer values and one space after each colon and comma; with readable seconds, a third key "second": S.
{"hour": 5, "minute": 39, "second": 23}
